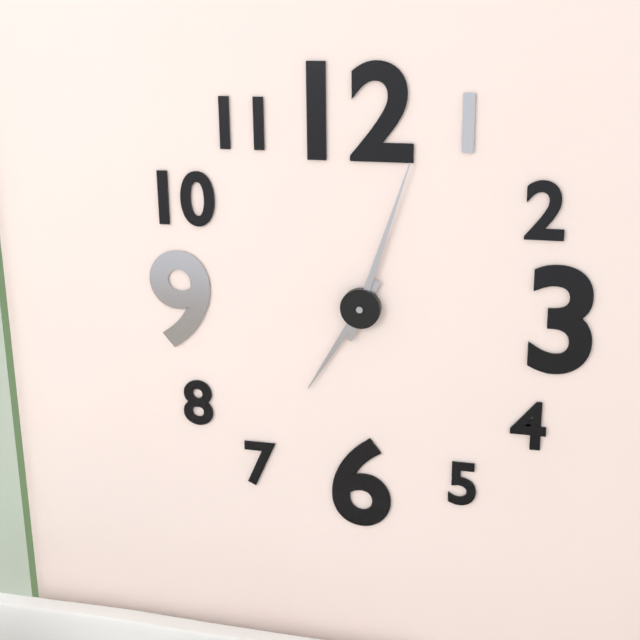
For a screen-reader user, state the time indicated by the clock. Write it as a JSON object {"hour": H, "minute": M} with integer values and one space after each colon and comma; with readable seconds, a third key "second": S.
{"hour": 7, "minute": 3}
